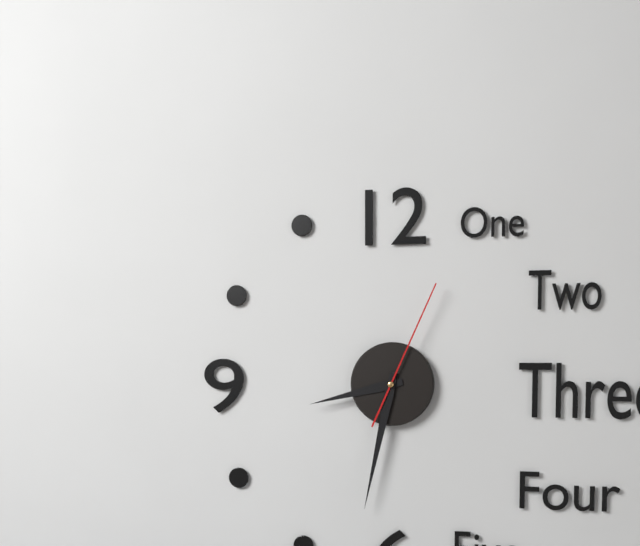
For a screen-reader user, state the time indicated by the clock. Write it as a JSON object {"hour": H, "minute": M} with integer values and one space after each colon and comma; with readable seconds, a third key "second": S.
{"hour": 8, "minute": 32, "second": 4}
